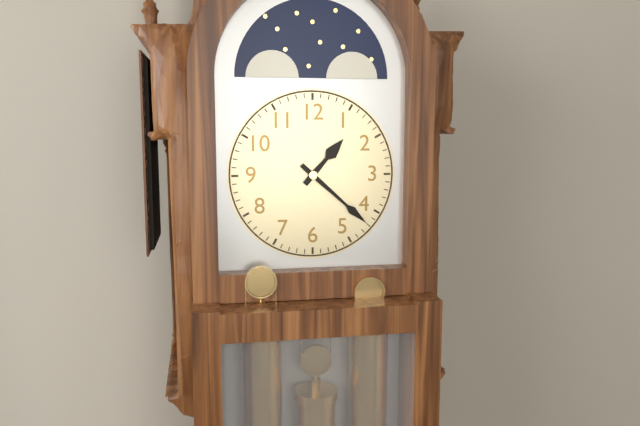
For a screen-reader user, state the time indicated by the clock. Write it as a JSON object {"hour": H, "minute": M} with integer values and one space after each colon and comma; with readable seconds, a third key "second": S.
{"hour": 1, "minute": 22}
